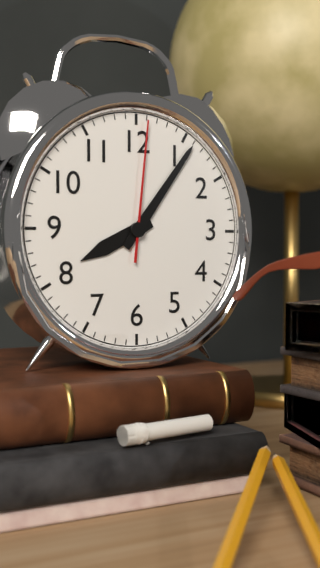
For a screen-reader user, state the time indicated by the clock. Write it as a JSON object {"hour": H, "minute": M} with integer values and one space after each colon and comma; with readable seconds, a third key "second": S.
{"hour": 8, "minute": 6, "second": 1}
